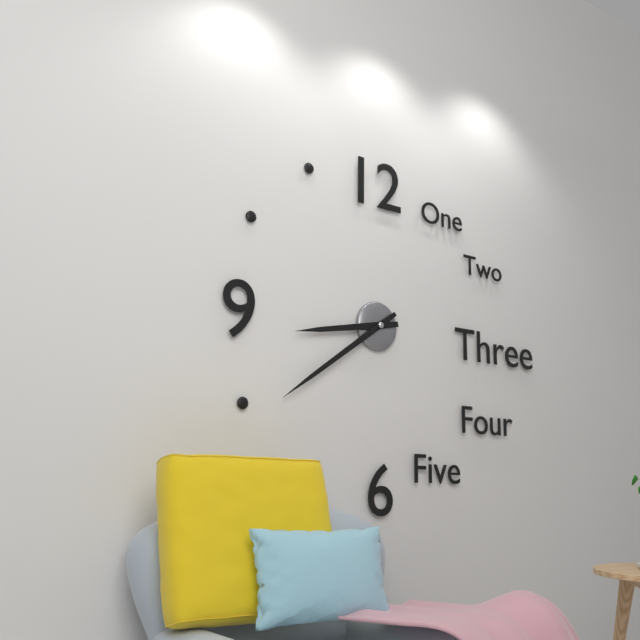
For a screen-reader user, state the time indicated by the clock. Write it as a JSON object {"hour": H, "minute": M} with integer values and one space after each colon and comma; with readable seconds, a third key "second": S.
{"hour": 8, "minute": 39}
